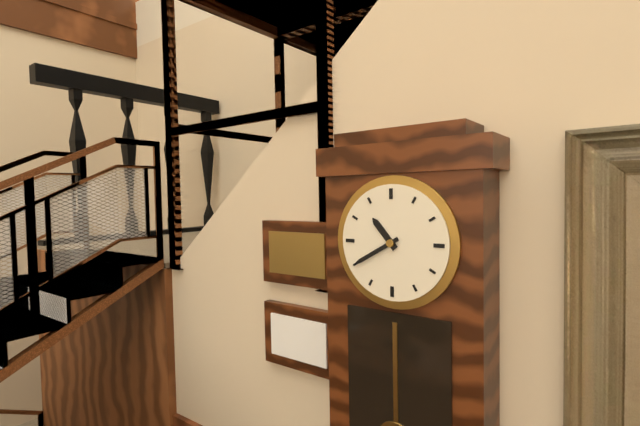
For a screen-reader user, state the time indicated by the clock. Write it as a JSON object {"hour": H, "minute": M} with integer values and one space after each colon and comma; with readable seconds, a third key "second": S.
{"hour": 10, "minute": 40}
